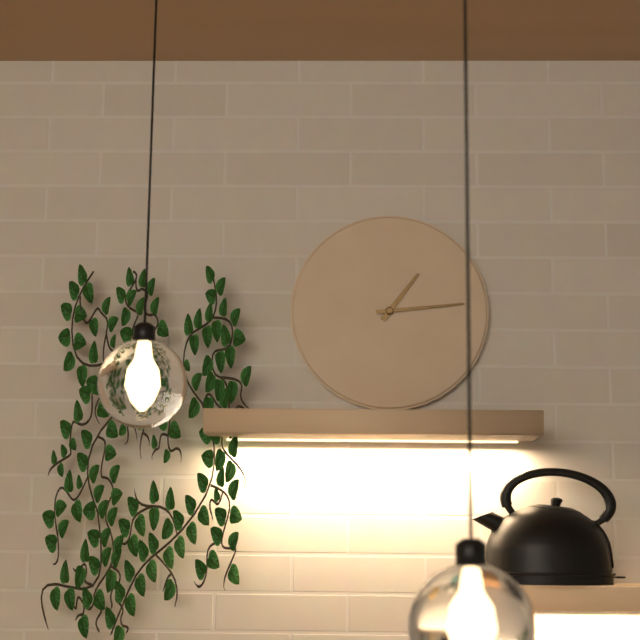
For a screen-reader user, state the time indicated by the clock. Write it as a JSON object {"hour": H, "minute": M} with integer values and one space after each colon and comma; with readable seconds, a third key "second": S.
{"hour": 1, "minute": 14}
